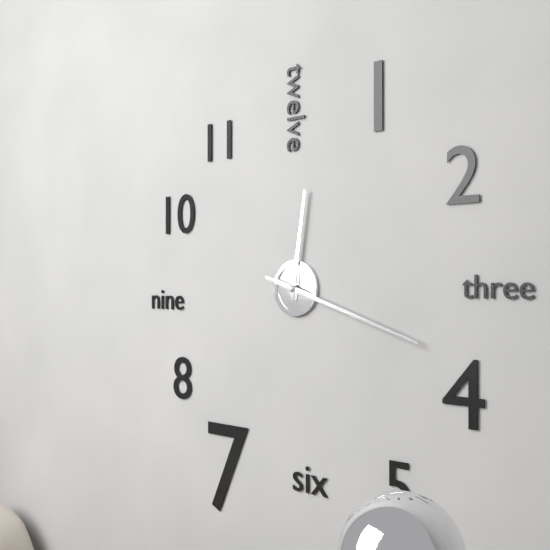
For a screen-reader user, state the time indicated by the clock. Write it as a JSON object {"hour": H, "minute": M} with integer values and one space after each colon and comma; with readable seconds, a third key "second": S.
{"hour": 12, "minute": 18}
